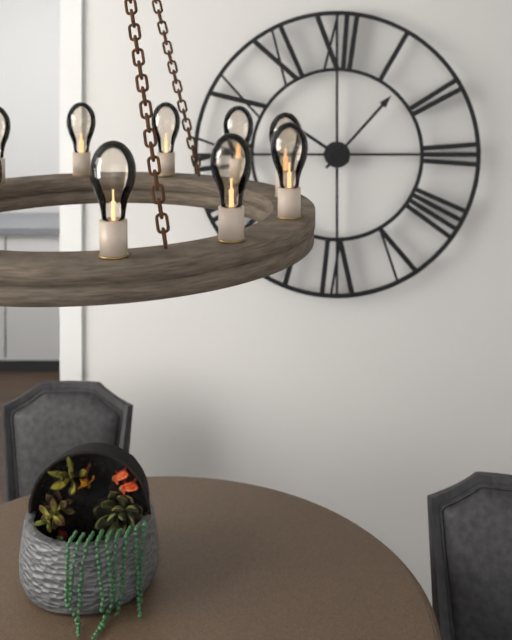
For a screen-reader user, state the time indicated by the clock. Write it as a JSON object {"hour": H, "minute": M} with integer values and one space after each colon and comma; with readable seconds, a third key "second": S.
{"hour": 10, "minute": 7}
